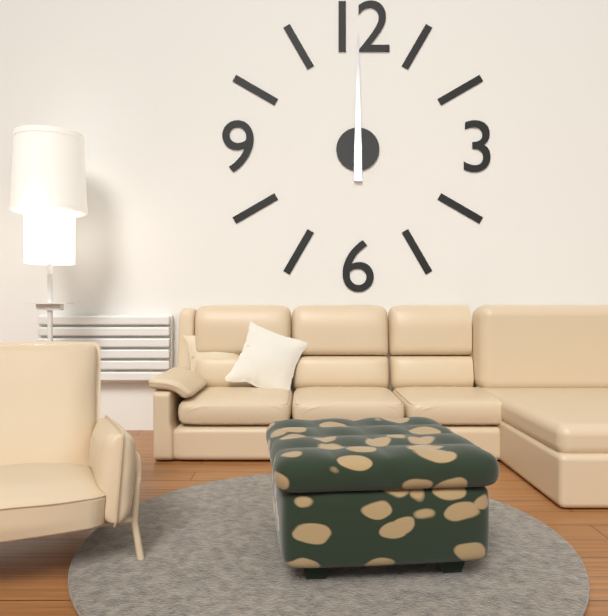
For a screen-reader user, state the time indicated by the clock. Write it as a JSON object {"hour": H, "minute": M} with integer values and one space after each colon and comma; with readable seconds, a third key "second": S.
{"hour": 12, "minute": 0}
